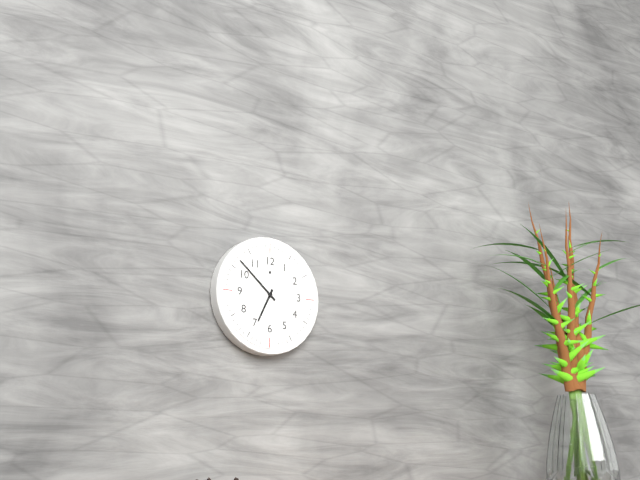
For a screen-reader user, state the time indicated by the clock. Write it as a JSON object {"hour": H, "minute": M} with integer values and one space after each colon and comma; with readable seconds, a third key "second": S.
{"hour": 6, "minute": 52}
